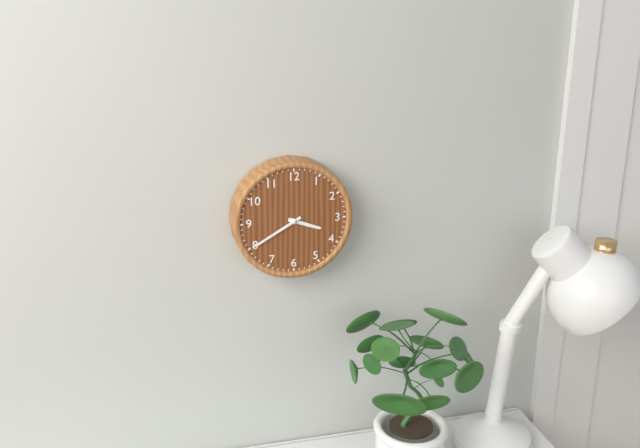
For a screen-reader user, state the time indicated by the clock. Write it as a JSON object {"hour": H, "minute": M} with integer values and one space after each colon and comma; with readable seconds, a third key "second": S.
{"hour": 3, "minute": 40}
